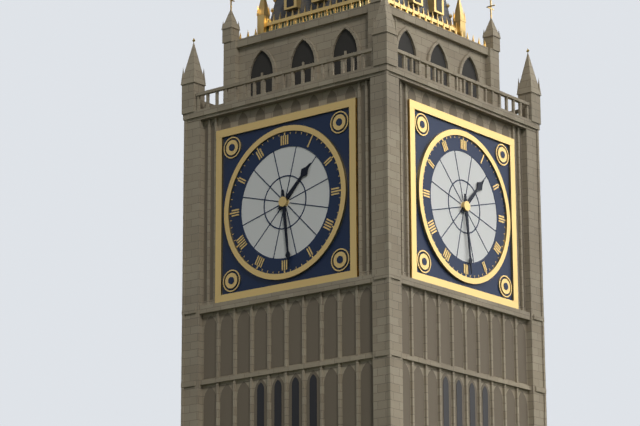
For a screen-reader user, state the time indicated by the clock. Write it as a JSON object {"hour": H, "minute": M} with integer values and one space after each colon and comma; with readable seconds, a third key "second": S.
{"hour": 1, "minute": 29}
